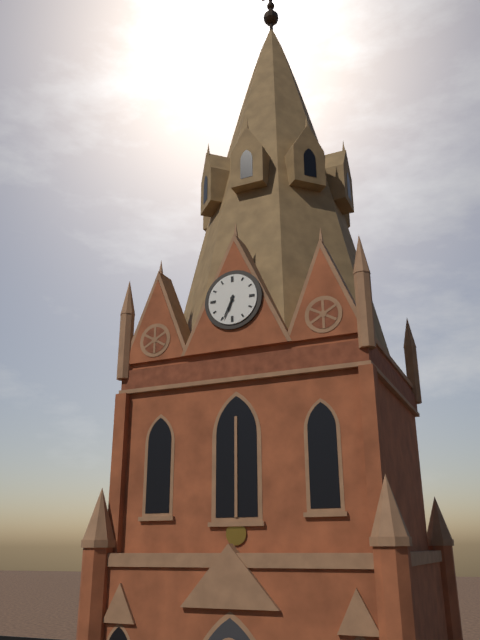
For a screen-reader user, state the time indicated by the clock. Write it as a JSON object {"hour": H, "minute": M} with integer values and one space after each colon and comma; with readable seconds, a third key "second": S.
{"hour": 6, "minute": 34}
